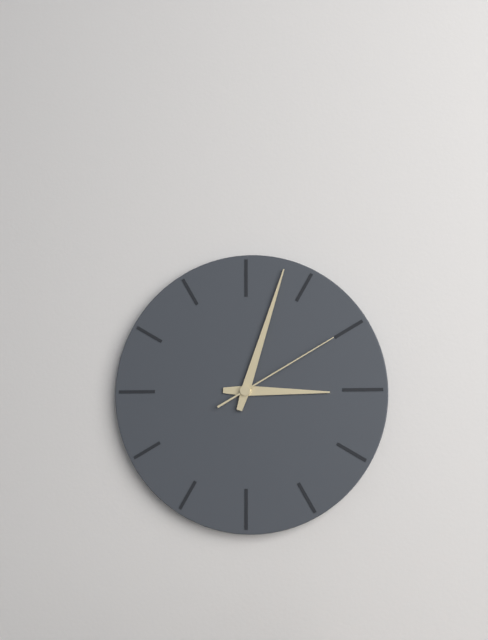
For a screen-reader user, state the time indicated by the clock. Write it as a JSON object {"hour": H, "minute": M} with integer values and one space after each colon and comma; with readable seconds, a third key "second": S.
{"hour": 3, "minute": 3, "second": 10}
